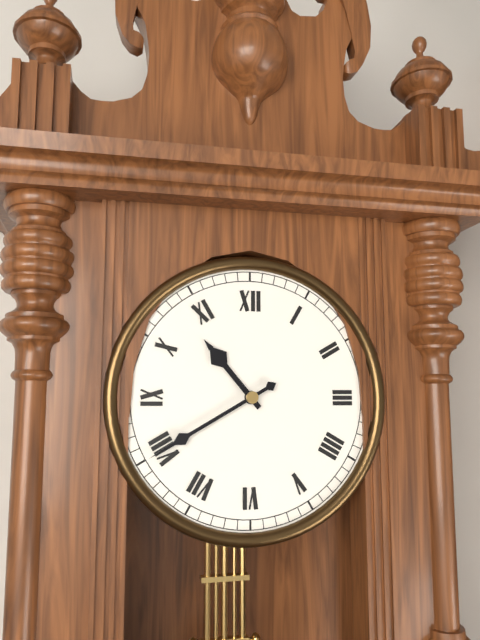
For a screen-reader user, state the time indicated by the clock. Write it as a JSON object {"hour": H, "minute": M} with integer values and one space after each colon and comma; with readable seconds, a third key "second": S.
{"hour": 10, "minute": 40}
